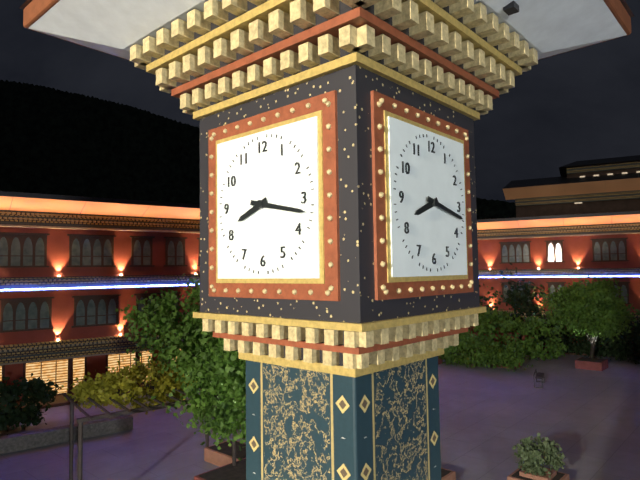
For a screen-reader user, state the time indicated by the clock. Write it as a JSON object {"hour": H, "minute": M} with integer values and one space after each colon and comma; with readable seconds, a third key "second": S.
{"hour": 8, "minute": 17}
